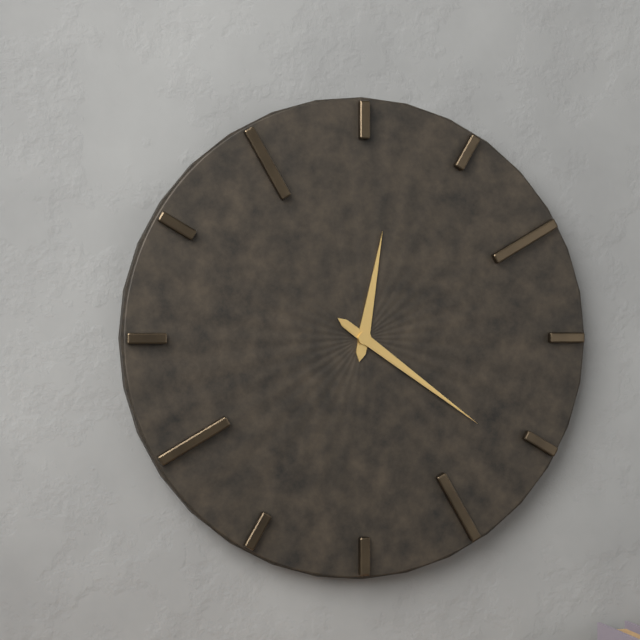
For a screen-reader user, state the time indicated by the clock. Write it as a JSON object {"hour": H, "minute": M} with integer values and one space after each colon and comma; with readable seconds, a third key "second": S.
{"hour": 12, "minute": 21}
